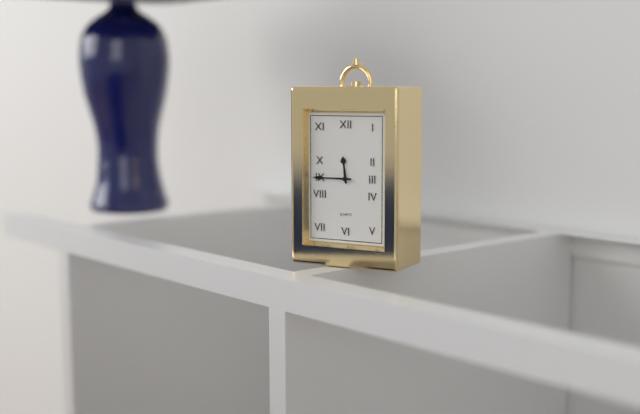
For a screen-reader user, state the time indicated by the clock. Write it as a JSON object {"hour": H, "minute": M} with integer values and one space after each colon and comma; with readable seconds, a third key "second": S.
{"hour": 11, "minute": 45}
